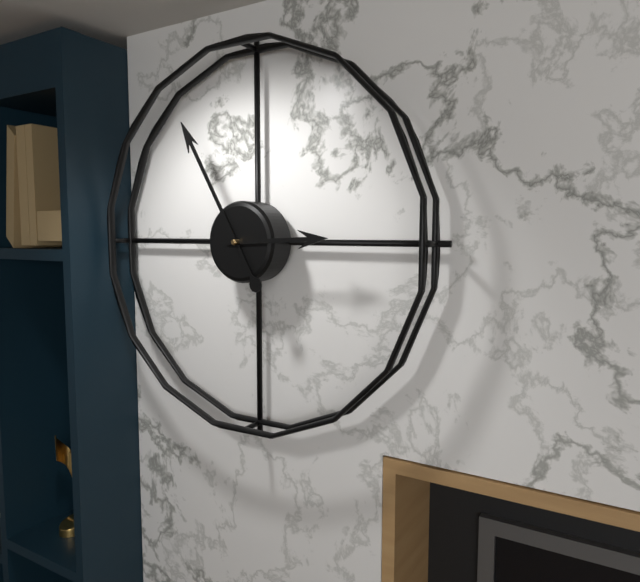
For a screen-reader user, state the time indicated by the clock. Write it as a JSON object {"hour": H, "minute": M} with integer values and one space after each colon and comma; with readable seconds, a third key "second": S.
{"hour": 2, "minute": 55}
